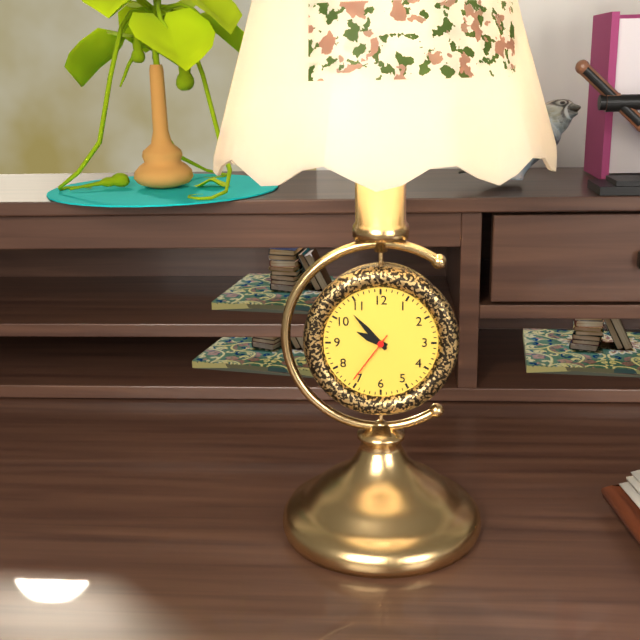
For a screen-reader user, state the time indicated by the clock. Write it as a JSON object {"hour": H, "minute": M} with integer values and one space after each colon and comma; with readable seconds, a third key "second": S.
{"hour": 9, "minute": 53, "second": 36}
